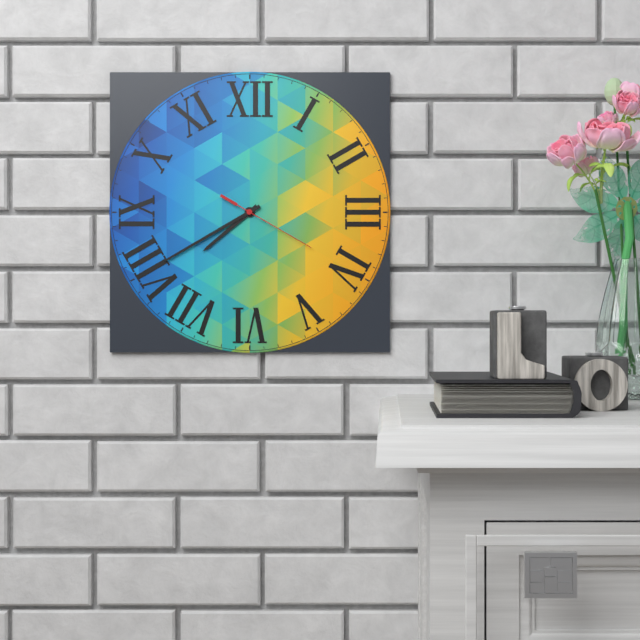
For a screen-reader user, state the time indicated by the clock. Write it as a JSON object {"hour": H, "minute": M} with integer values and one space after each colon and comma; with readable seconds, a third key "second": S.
{"hour": 7, "minute": 40, "second": 20}
